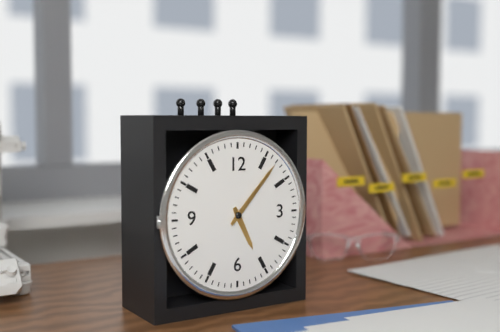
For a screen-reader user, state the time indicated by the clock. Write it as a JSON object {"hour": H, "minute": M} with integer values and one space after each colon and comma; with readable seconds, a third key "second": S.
{"hour": 5, "minute": 7}
